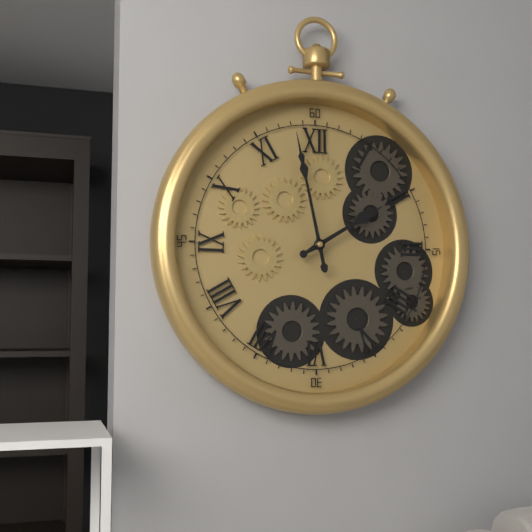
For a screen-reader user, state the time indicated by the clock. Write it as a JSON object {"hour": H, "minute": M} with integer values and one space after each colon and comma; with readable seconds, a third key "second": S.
{"hour": 1, "minute": 58}
